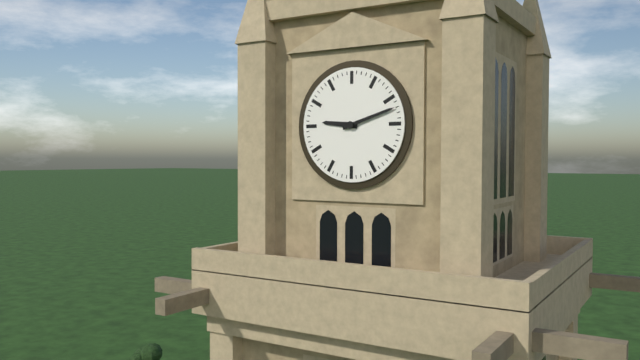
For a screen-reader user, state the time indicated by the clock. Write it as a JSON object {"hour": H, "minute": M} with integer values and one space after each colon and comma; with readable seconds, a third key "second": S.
{"hour": 9, "minute": 12}
